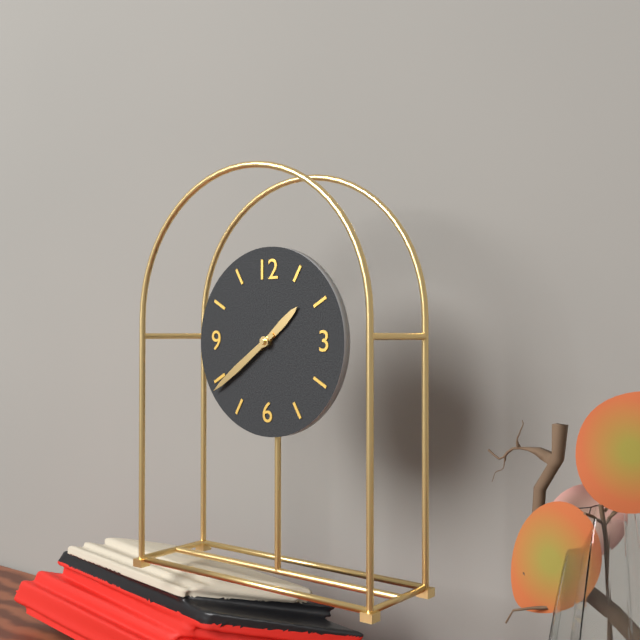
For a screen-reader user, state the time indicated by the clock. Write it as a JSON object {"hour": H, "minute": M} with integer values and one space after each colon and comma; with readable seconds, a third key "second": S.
{"hour": 1, "minute": 39}
